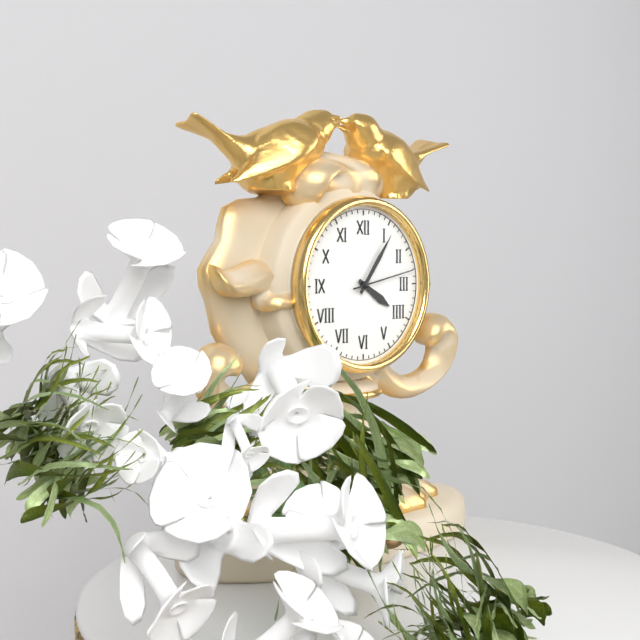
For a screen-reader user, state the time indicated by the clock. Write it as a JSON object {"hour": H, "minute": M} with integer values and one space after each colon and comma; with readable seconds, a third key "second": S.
{"hour": 4, "minute": 6, "second": 13}
